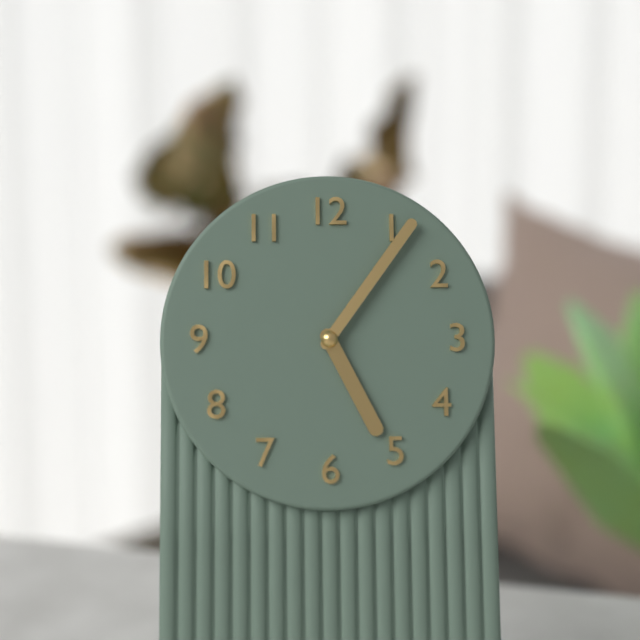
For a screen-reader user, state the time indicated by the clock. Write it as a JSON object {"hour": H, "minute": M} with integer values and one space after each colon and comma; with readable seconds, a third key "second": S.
{"hour": 5, "minute": 6}
